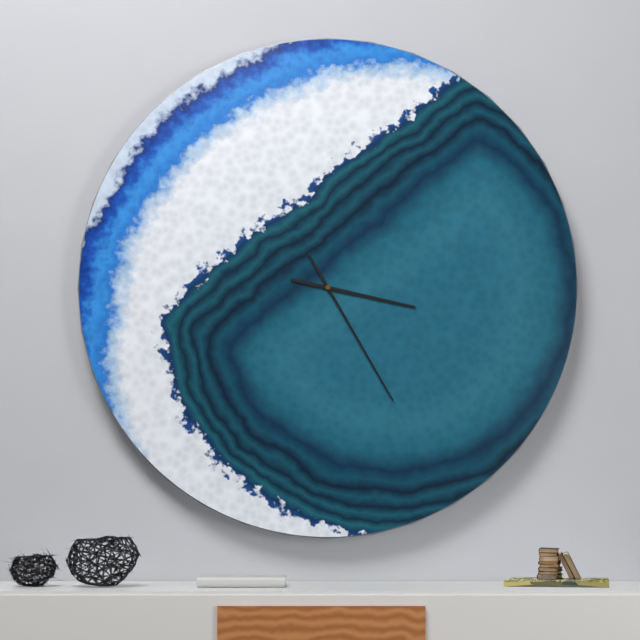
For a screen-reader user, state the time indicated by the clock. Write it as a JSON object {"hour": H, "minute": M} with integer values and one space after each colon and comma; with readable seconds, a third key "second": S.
{"hour": 3, "minute": 25}
